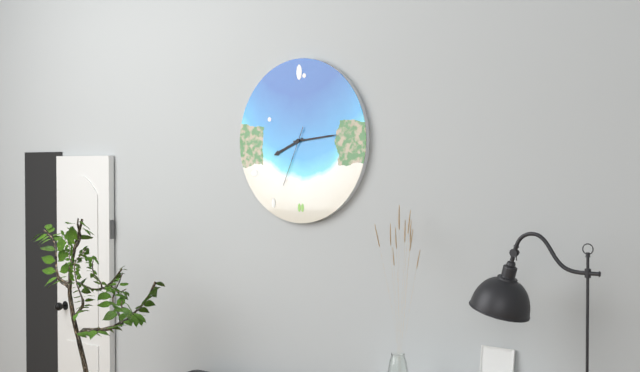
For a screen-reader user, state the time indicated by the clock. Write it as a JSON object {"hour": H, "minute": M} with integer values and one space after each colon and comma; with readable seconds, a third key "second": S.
{"hour": 8, "minute": 14, "second": 34}
